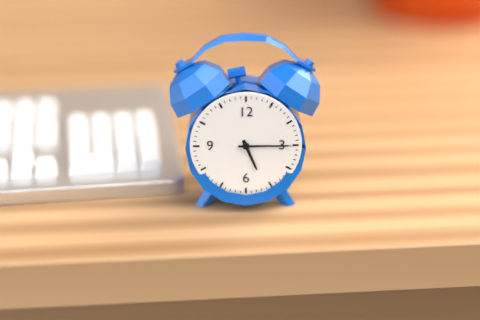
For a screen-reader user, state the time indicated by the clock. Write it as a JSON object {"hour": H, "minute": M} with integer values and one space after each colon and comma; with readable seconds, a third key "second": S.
{"hour": 5, "minute": 15}
